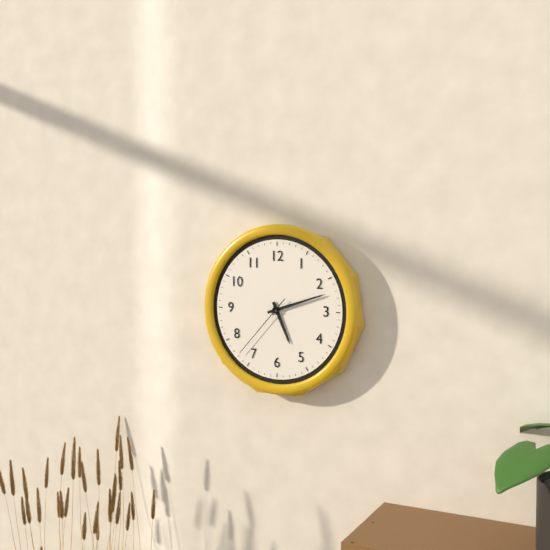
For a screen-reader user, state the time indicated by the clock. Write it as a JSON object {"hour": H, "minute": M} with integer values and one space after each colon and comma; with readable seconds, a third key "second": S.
{"hour": 5, "minute": 12, "second": 37}
